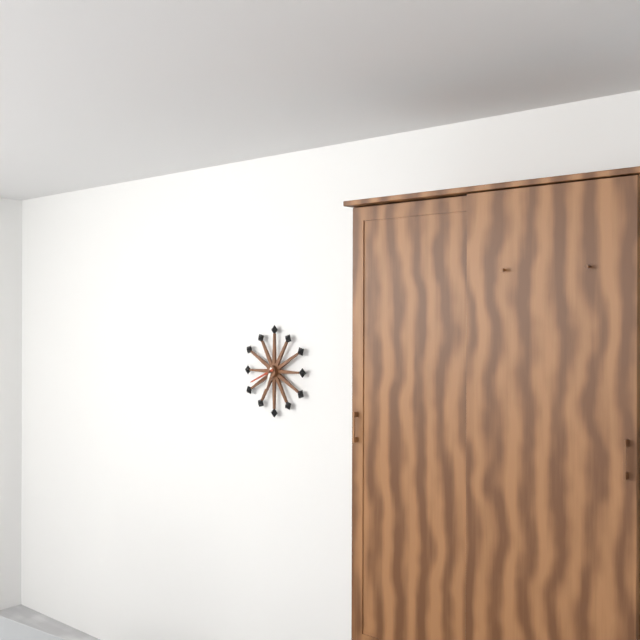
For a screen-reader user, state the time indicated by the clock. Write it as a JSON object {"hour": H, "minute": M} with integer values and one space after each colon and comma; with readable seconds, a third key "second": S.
{"hour": 6, "minute": 41}
